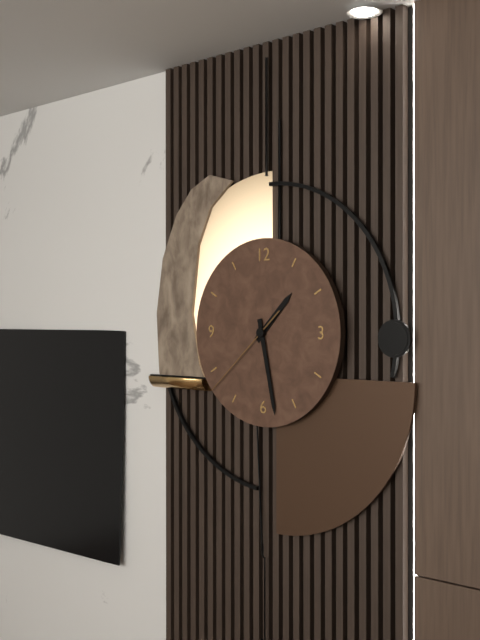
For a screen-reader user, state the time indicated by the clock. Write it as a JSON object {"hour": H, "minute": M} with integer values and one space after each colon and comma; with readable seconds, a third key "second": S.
{"hour": 1, "minute": 28, "second": 38}
